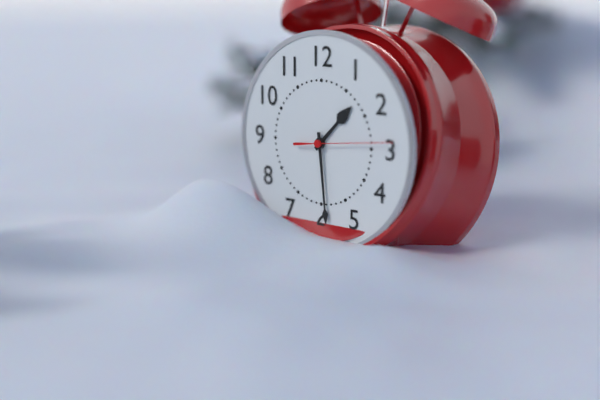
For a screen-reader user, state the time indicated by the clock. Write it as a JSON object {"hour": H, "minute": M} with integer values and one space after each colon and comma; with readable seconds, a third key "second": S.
{"hour": 1, "minute": 29, "second": 14}
